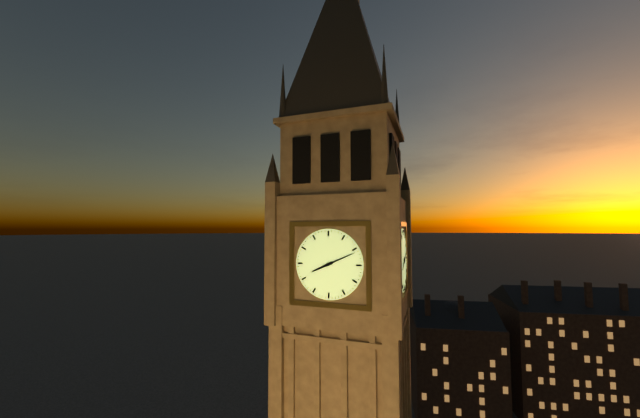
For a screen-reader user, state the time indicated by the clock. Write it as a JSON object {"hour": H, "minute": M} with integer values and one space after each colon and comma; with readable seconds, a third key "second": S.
{"hour": 8, "minute": 11}
